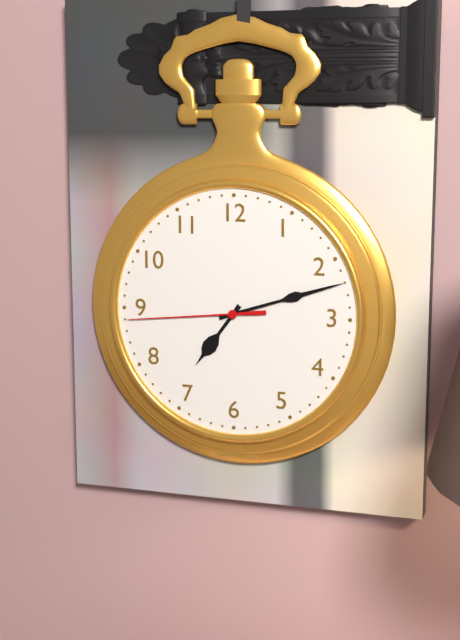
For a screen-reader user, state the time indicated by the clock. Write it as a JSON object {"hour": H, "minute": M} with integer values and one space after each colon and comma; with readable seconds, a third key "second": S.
{"hour": 7, "minute": 12, "second": 44}
